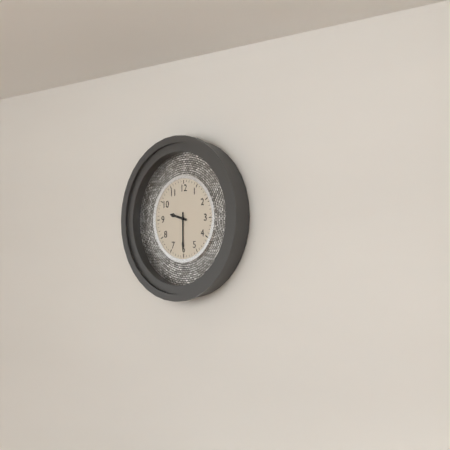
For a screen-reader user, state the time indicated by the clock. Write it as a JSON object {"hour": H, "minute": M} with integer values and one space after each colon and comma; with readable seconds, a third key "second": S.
{"hour": 9, "minute": 30}
